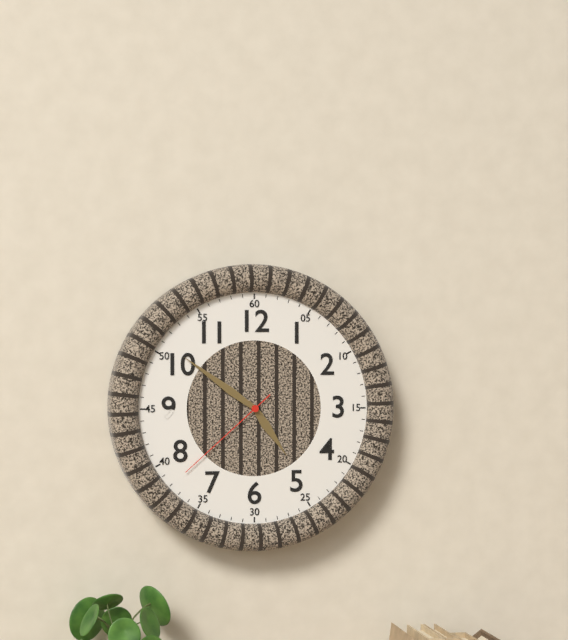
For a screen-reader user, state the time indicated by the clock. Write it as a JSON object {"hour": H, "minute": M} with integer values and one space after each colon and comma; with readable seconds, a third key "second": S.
{"hour": 4, "minute": 51, "second": 38}
